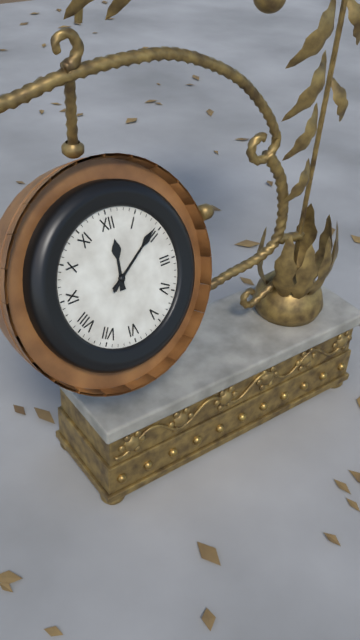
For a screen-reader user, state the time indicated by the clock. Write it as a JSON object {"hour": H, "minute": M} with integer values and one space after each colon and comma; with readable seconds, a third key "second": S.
{"hour": 12, "minute": 9, "second": 9}
